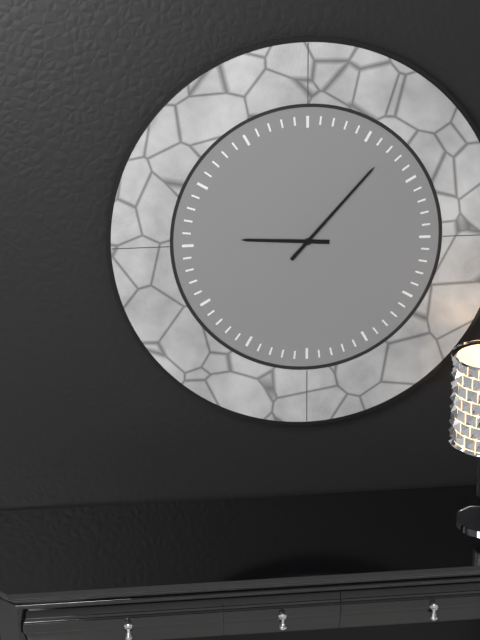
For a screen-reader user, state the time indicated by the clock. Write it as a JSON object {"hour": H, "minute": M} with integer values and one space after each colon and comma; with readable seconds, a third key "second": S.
{"hour": 9, "minute": 7}
